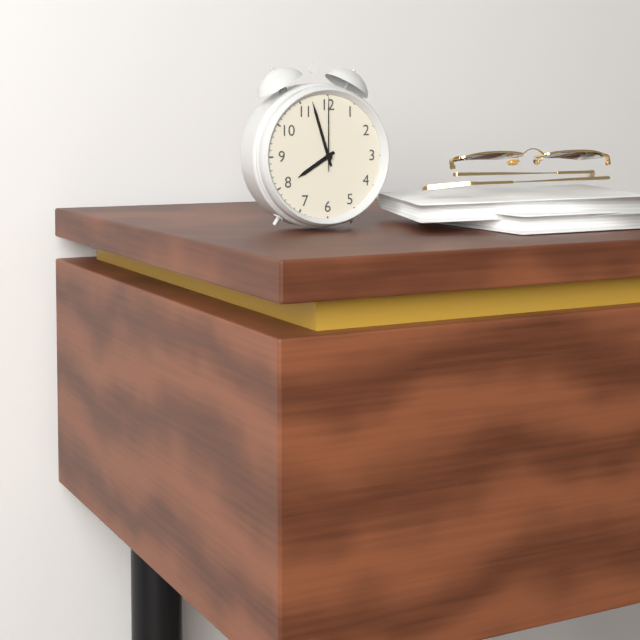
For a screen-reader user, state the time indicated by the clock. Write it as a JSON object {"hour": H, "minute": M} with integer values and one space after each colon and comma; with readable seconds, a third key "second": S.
{"hour": 7, "minute": 57, "second": 0}
